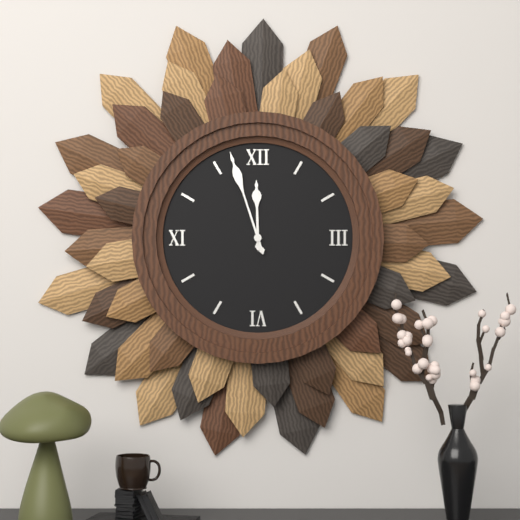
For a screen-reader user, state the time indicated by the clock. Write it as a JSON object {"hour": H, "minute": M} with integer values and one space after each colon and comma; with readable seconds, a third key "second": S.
{"hour": 11, "minute": 57}
